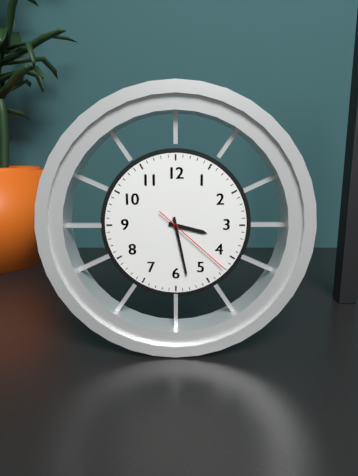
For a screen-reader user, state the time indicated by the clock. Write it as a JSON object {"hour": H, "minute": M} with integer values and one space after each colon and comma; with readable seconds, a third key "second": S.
{"hour": 3, "minute": 28, "second": 22}
